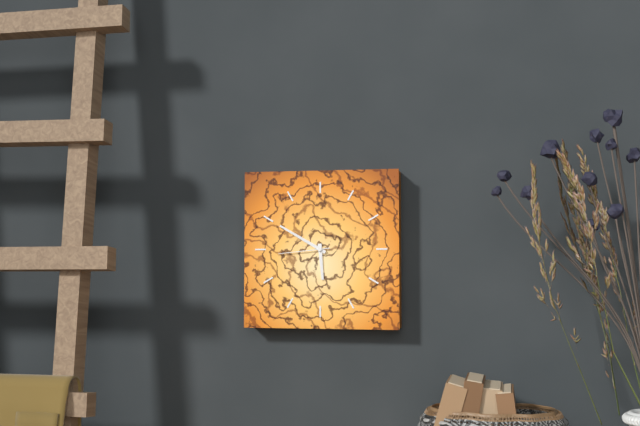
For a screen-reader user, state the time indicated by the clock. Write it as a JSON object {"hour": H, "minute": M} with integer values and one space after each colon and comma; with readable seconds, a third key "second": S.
{"hour": 5, "minute": 50, "second": 44}
